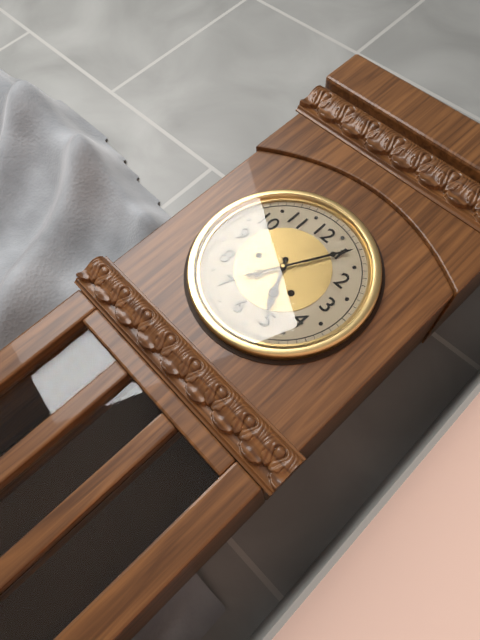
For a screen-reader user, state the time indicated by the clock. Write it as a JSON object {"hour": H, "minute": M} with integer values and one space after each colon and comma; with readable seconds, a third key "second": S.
{"hour": 5, "minute": 5}
